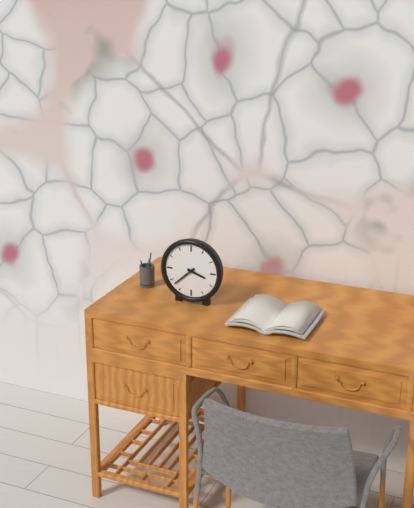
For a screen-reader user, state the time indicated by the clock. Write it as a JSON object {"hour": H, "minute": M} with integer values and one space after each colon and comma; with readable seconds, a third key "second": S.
{"hour": 3, "minute": 38}
